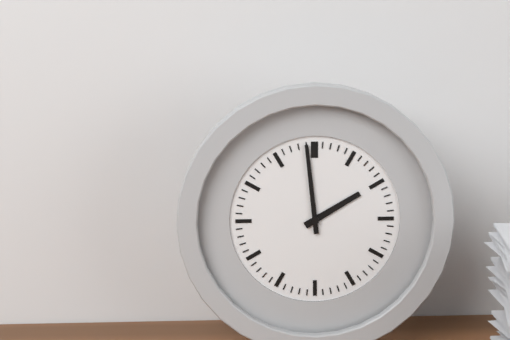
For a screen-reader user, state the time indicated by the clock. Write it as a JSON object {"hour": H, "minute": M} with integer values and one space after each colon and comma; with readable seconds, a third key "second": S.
{"hour": 1, "minute": 59}
